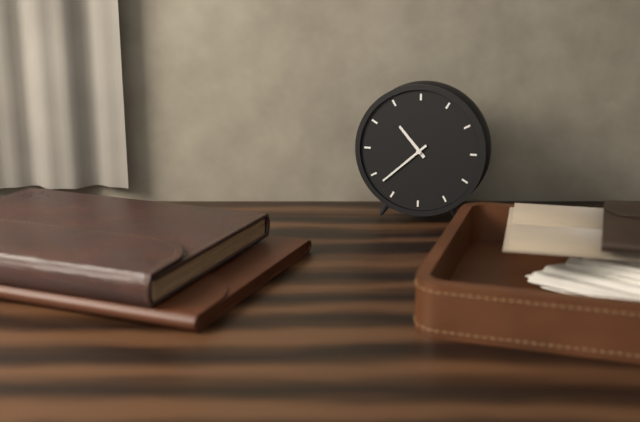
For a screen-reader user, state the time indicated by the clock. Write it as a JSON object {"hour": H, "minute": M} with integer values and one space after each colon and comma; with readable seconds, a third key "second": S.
{"hour": 10, "minute": 38}
